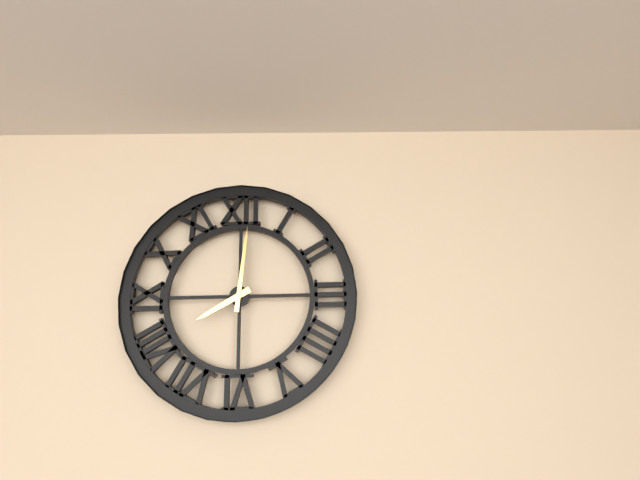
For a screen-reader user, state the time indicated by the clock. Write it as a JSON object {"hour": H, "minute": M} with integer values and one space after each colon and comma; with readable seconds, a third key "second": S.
{"hour": 8, "minute": 1}
